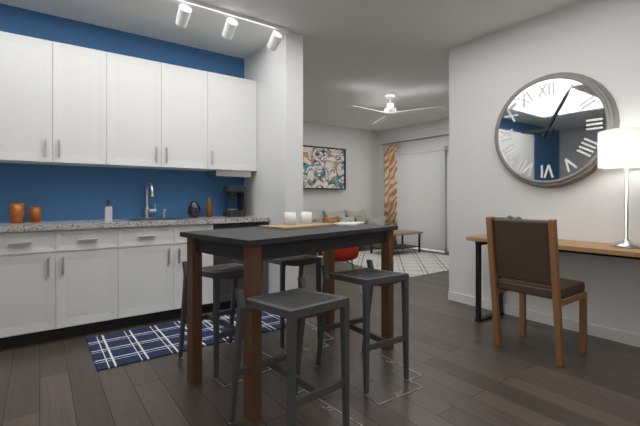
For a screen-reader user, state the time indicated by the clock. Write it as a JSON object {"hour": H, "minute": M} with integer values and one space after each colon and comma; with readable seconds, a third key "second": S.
{"hour": 9, "minute": 5}
